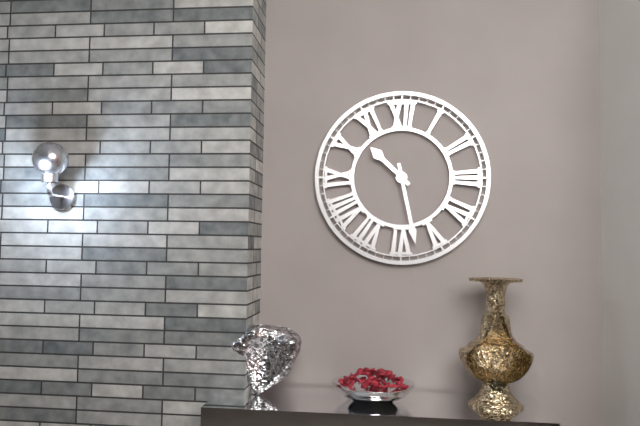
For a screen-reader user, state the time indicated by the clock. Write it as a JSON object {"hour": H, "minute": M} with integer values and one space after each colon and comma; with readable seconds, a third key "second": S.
{"hour": 10, "minute": 28}
